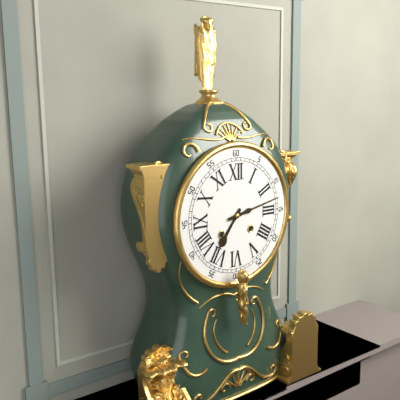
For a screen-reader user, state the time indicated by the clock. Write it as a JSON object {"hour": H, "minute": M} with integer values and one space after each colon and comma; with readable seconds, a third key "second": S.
{"hour": 7, "minute": 13}
